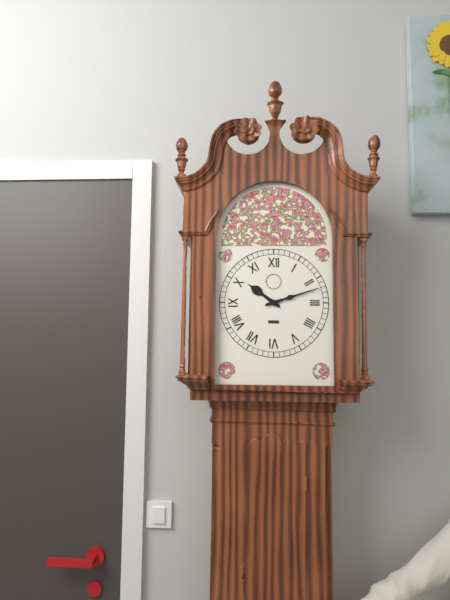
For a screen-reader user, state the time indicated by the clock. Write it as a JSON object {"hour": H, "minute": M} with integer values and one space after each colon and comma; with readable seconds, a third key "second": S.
{"hour": 10, "minute": 12}
